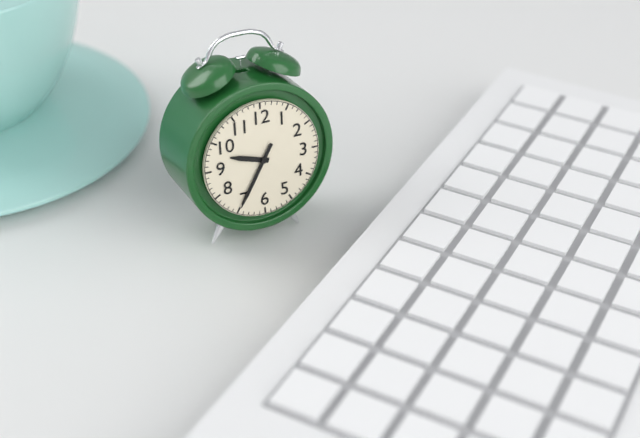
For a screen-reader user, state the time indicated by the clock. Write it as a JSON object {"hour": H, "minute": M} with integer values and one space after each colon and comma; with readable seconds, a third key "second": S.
{"hour": 9, "minute": 35}
